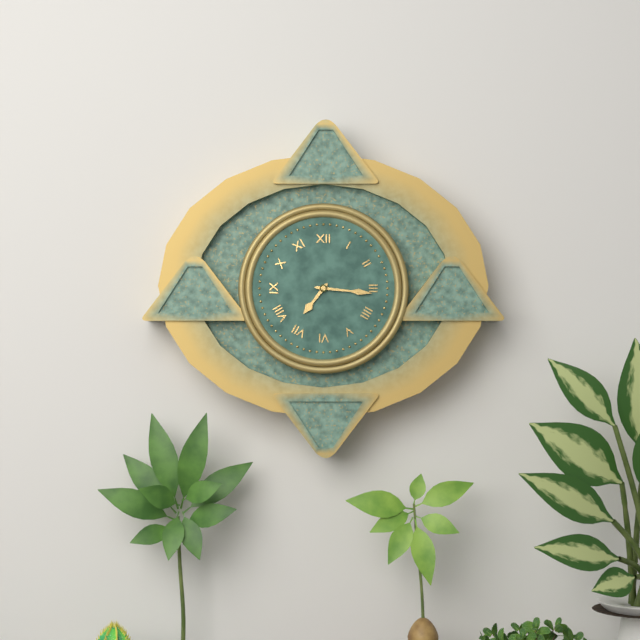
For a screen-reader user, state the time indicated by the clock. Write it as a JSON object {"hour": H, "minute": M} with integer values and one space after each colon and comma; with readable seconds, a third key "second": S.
{"hour": 7, "minute": 16}
